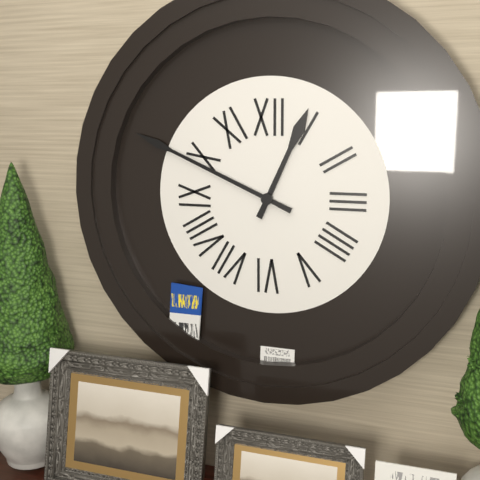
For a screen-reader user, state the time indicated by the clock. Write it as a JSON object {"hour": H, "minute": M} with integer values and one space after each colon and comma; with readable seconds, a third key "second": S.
{"hour": 12, "minute": 49}
